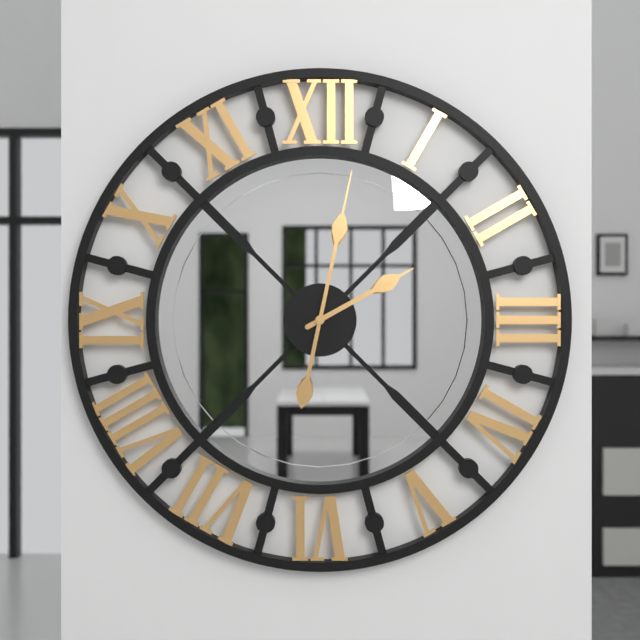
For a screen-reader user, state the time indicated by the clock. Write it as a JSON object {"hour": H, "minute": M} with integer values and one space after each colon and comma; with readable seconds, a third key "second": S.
{"hour": 2, "minute": 2}
